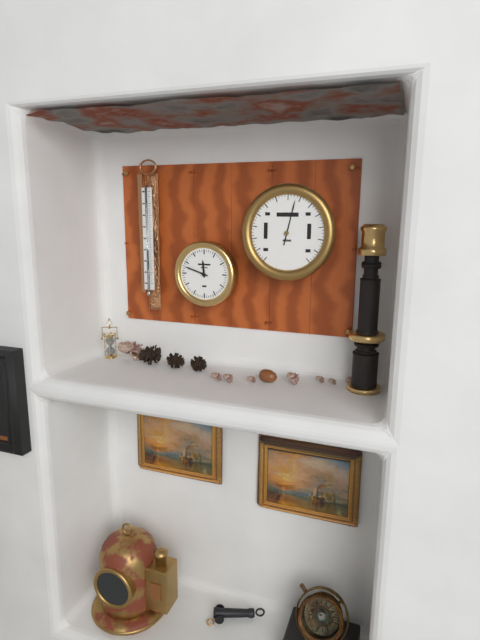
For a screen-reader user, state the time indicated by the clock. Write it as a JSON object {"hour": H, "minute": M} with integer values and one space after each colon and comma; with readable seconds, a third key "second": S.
{"hour": 11, "minute": 48}
